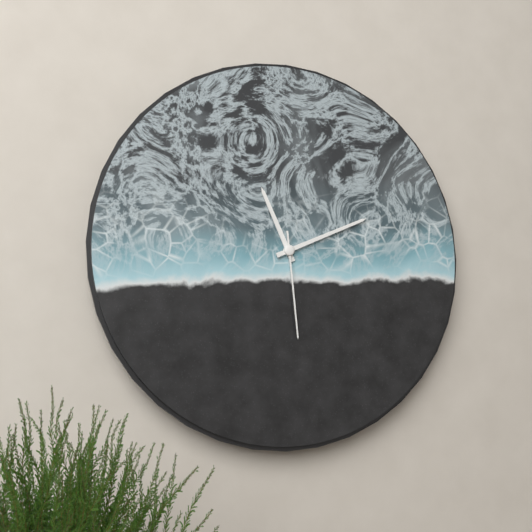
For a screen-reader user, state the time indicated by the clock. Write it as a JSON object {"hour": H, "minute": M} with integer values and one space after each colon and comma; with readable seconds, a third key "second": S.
{"hour": 11, "minute": 11, "second": 29}
